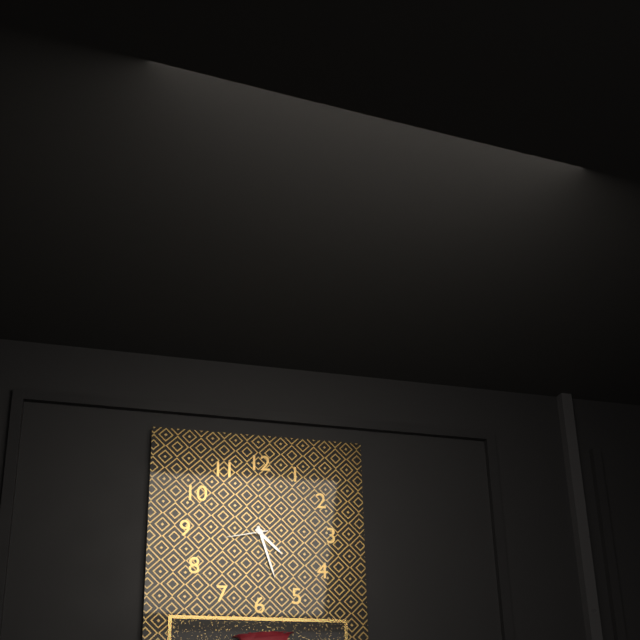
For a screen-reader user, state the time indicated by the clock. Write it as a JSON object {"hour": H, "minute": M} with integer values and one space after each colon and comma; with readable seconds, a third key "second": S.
{"hour": 4, "minute": 27}
